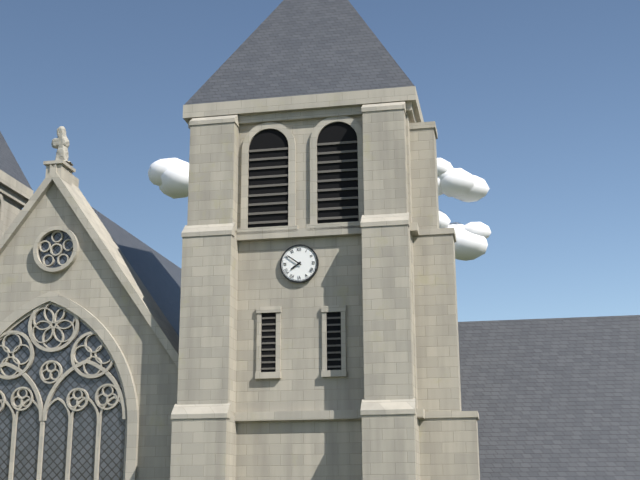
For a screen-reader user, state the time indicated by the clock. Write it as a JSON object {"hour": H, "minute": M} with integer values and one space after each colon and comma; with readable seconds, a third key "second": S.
{"hour": 7, "minute": 51}
